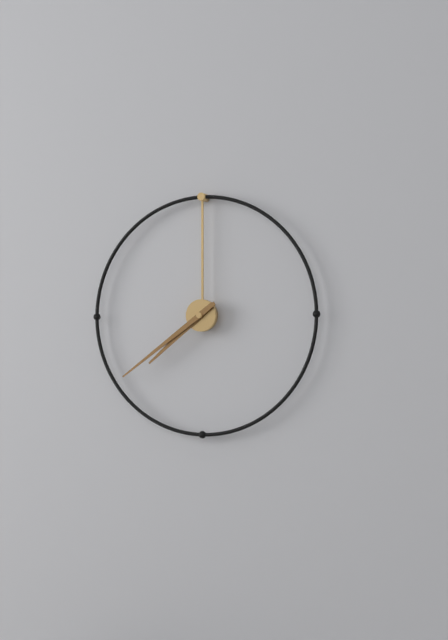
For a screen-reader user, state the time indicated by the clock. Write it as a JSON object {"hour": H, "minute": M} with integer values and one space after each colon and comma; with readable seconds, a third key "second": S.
{"hour": 7, "minute": 39}
